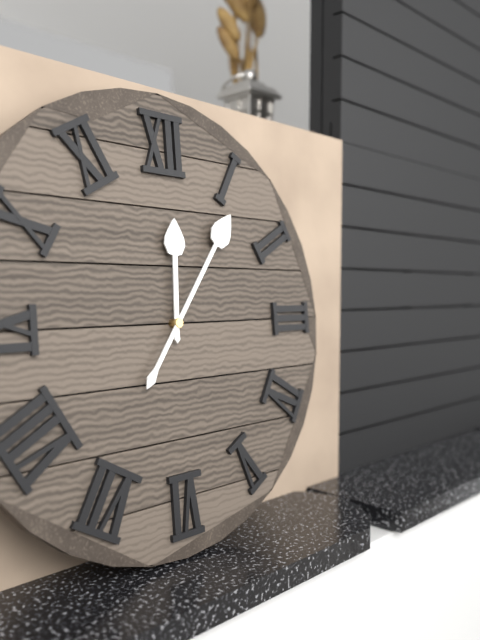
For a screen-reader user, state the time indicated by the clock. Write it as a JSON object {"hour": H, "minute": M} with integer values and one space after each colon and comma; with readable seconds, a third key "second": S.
{"hour": 12, "minute": 6}
